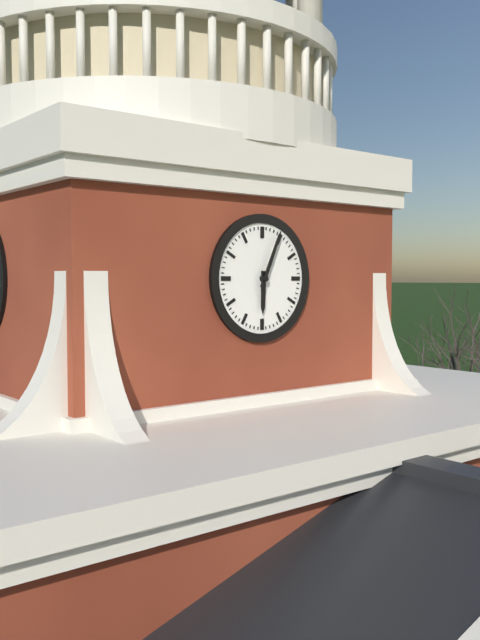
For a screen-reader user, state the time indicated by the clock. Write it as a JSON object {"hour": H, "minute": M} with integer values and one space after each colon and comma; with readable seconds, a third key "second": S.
{"hour": 6, "minute": 4}
